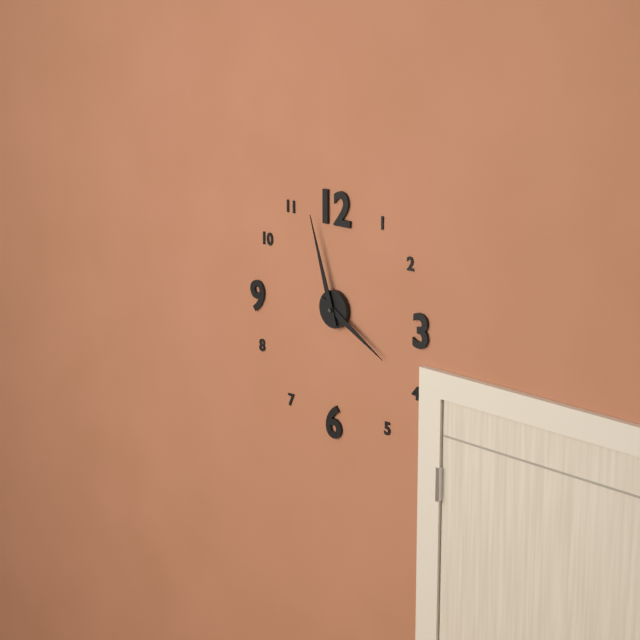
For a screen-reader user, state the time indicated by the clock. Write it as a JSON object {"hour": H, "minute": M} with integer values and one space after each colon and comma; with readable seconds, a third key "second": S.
{"hour": 3, "minute": 57}
